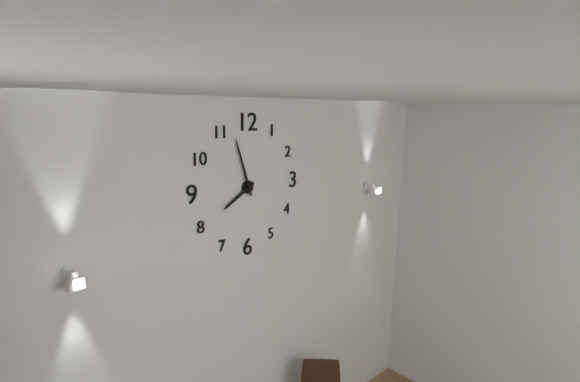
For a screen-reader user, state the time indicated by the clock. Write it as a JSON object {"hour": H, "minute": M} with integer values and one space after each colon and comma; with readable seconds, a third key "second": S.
{"hour": 7, "minute": 57}
